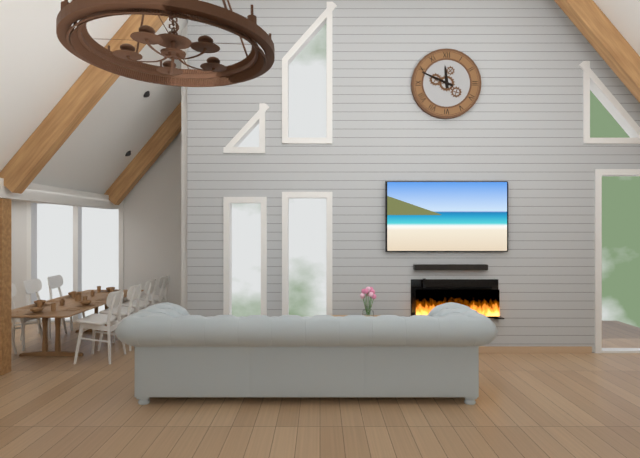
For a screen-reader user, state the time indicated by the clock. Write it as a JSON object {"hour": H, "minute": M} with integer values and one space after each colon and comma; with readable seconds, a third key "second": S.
{"hour": 11, "minute": 49}
